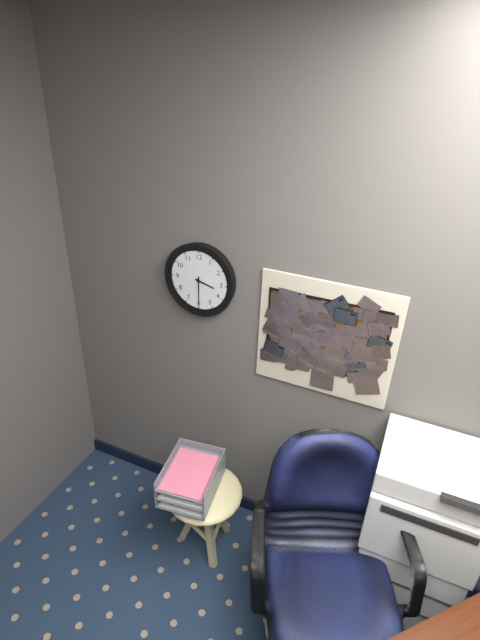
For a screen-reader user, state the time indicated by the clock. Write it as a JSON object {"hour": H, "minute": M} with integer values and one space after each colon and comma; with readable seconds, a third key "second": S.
{"hour": 3, "minute": 30}
